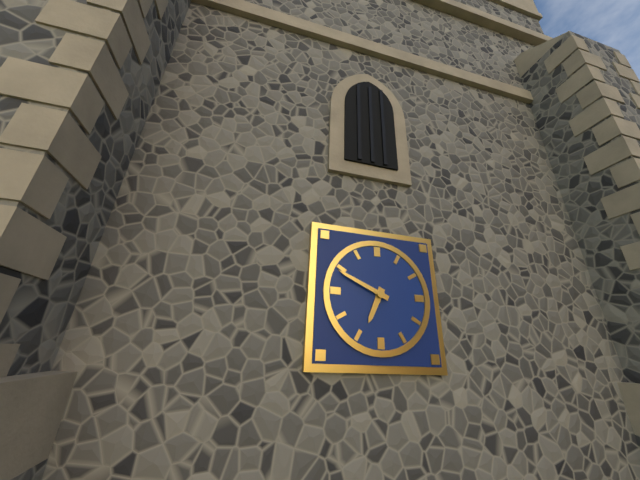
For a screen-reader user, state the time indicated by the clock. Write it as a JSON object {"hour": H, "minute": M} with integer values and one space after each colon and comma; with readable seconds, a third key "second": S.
{"hour": 6, "minute": 49}
